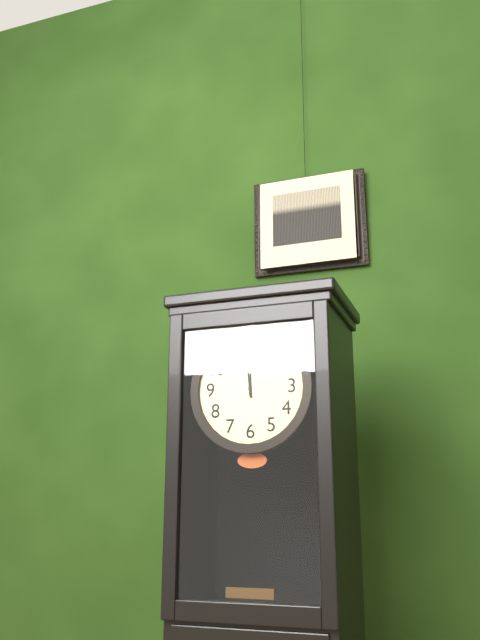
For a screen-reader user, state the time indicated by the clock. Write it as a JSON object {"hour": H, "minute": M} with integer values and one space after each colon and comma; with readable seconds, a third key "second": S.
{"hour": 11, "minute": 59}
